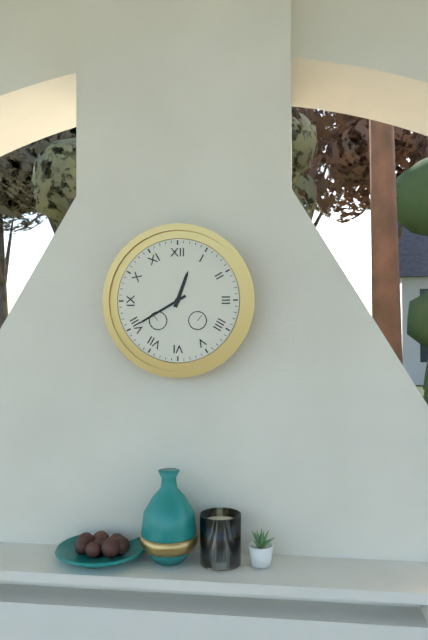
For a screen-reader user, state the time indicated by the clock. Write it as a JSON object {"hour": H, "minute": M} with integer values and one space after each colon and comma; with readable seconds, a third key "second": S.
{"hour": 12, "minute": 40}
